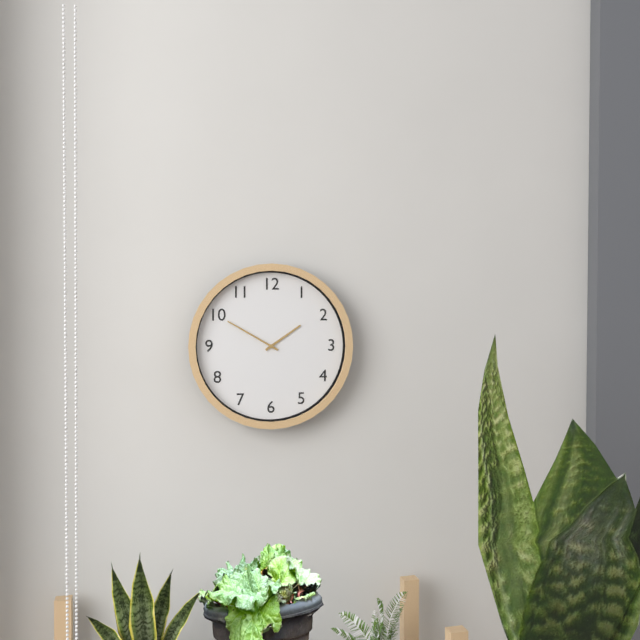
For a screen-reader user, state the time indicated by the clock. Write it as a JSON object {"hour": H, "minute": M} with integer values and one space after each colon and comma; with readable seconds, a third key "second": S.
{"hour": 1, "minute": 50}
